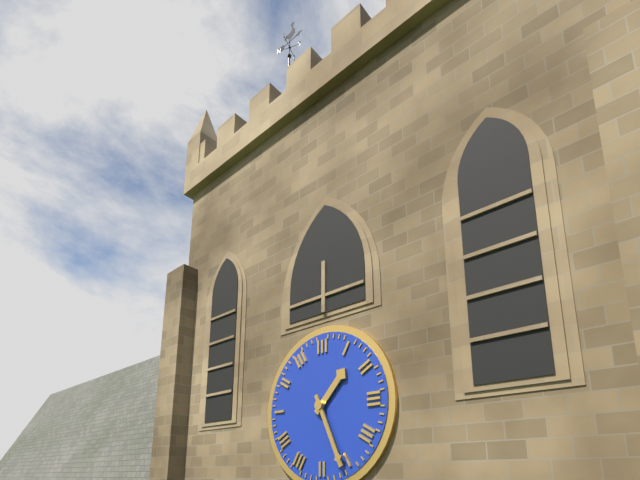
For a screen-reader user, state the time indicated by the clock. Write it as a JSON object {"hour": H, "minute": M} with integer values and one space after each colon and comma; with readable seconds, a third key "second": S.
{"hour": 1, "minute": 26}
